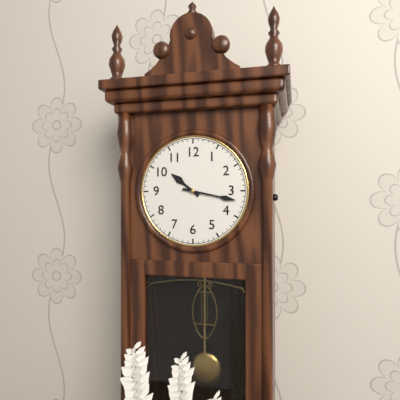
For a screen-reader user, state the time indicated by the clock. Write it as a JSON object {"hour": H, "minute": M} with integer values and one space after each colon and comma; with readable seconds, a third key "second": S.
{"hour": 10, "minute": 17}
